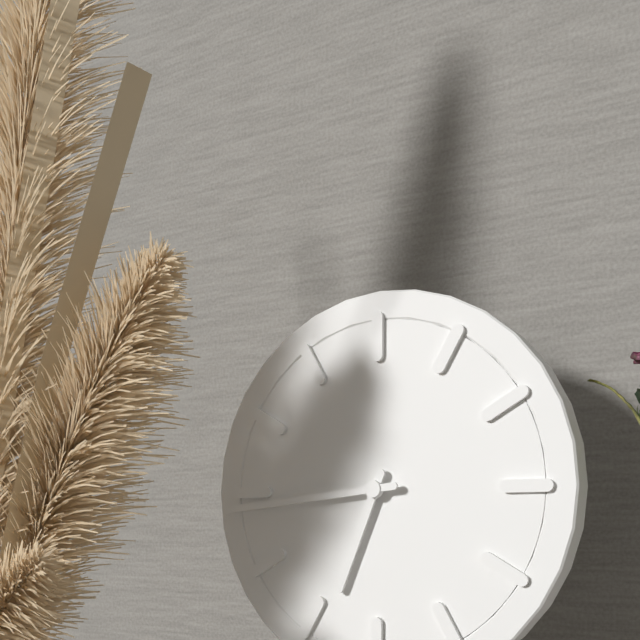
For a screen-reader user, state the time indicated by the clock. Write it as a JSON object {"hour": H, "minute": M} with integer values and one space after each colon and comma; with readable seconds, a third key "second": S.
{"hour": 6, "minute": 44}
